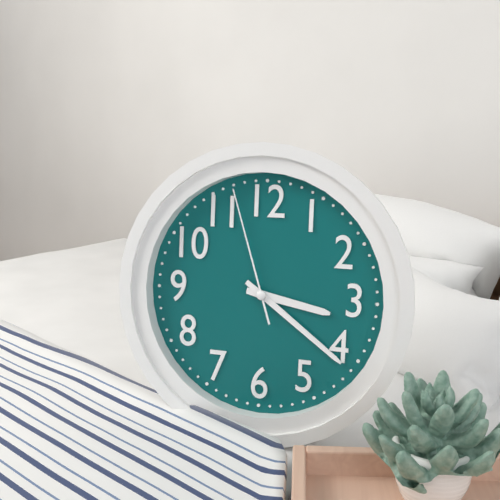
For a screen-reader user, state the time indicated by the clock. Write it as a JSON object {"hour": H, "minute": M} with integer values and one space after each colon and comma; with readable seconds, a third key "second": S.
{"hour": 3, "minute": 21, "second": 57}
